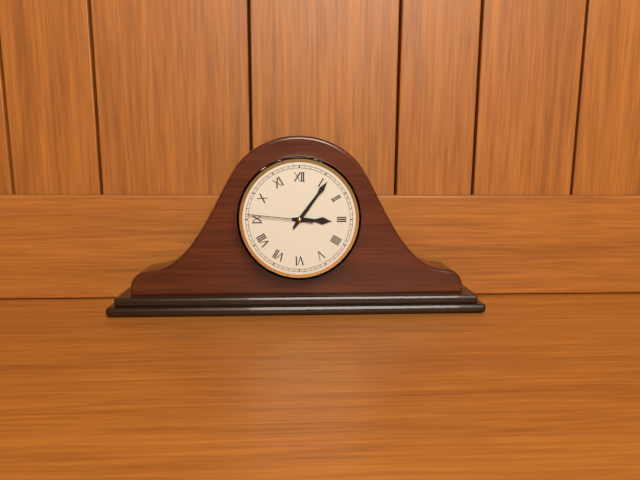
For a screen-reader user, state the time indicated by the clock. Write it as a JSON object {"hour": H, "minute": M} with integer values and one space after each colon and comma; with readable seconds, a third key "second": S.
{"hour": 3, "minute": 6, "second": 46}
